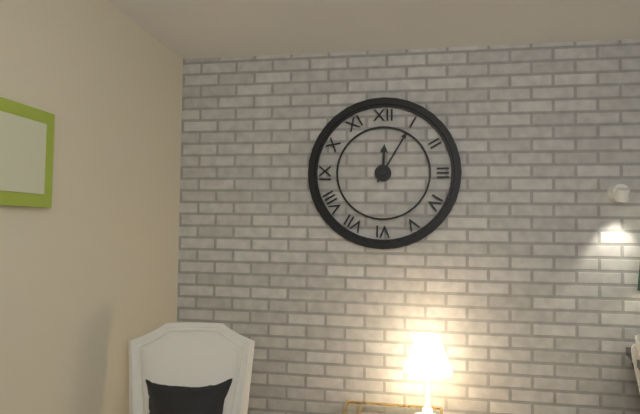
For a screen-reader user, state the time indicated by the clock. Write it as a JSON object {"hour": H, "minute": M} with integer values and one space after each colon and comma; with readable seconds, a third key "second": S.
{"hour": 12, "minute": 5}
